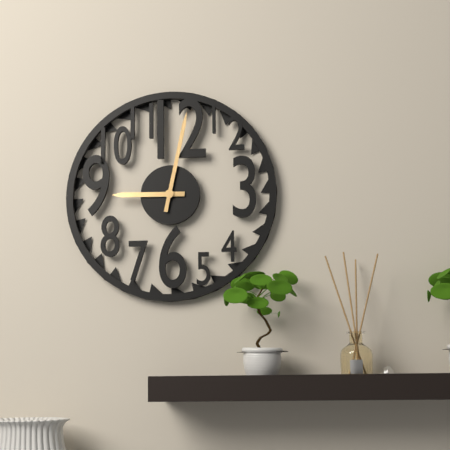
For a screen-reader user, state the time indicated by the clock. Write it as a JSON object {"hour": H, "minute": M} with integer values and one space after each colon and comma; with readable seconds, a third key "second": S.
{"hour": 9, "minute": 2}
